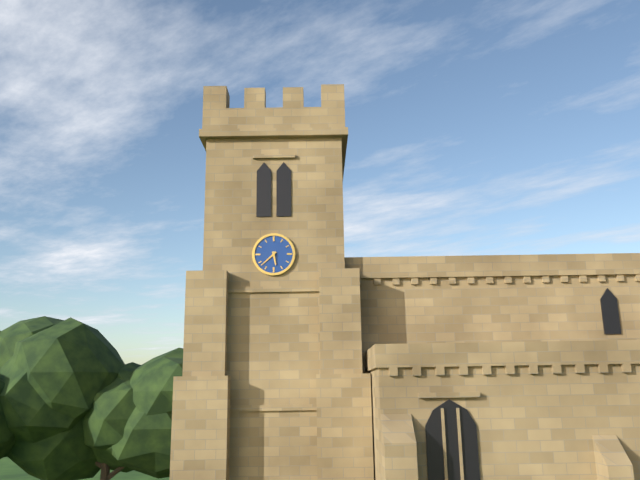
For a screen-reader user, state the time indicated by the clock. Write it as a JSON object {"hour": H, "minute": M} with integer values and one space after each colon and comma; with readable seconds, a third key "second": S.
{"hour": 5, "minute": 38}
